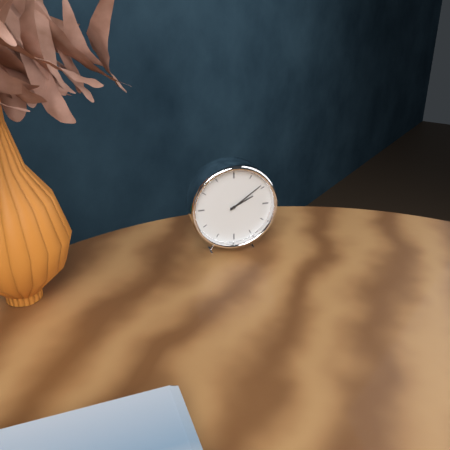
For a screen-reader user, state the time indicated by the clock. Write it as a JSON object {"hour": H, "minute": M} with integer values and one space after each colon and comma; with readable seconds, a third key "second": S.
{"hour": 2, "minute": 9}
